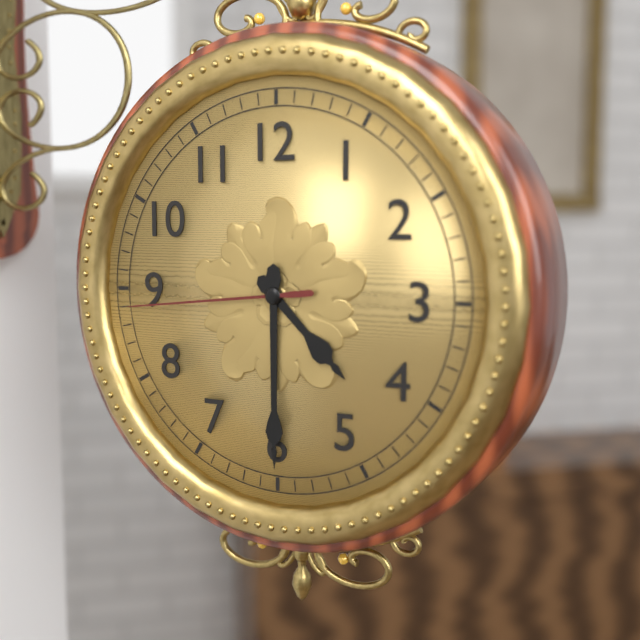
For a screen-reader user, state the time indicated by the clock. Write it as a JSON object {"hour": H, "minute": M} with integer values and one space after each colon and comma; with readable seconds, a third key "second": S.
{"hour": 4, "minute": 30, "second": 44}
